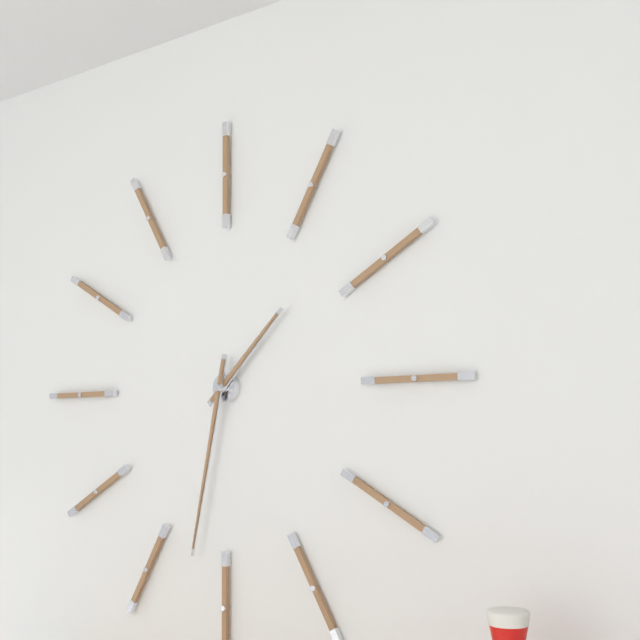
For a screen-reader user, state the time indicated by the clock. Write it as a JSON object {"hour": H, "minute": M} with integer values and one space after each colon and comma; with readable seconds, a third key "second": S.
{"hour": 1, "minute": 32}
